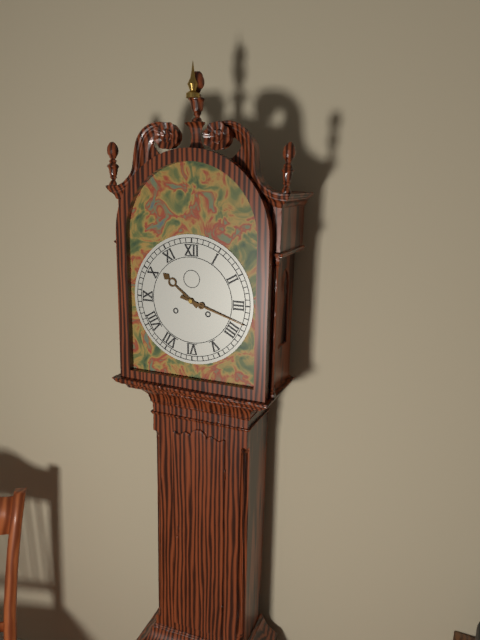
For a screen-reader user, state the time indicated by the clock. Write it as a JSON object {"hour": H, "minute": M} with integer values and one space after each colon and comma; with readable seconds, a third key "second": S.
{"hour": 10, "minute": 18}
